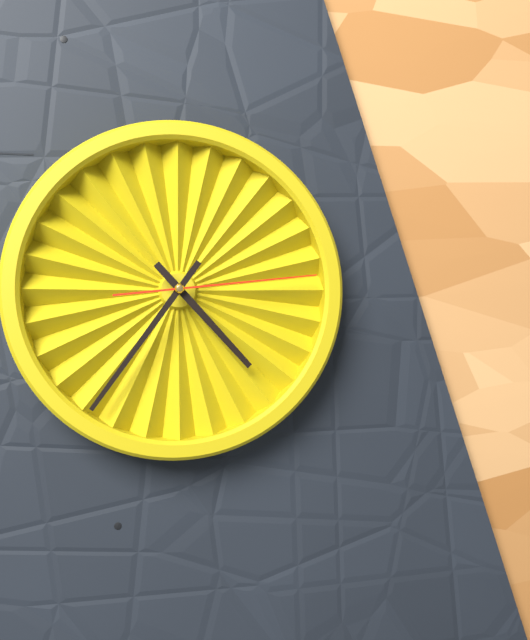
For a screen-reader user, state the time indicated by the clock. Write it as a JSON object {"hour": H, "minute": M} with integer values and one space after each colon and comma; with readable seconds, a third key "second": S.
{"hour": 4, "minute": 36, "second": 14}
